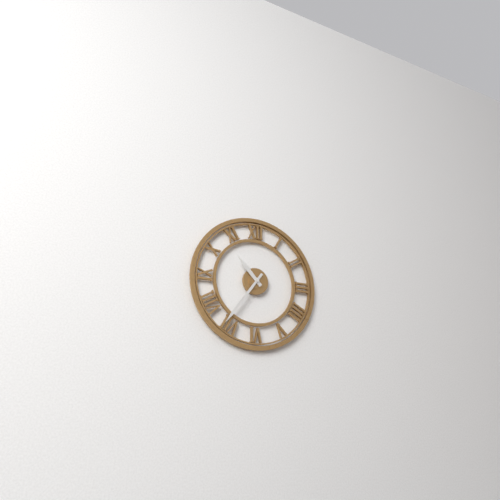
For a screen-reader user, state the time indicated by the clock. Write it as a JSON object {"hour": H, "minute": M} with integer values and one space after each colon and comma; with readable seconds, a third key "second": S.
{"hour": 10, "minute": 36}
